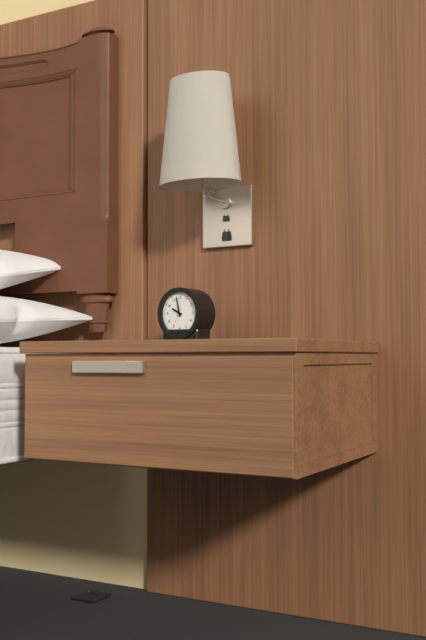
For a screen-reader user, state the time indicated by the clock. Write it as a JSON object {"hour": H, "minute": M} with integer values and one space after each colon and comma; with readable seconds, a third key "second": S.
{"hour": 9, "minute": 58}
